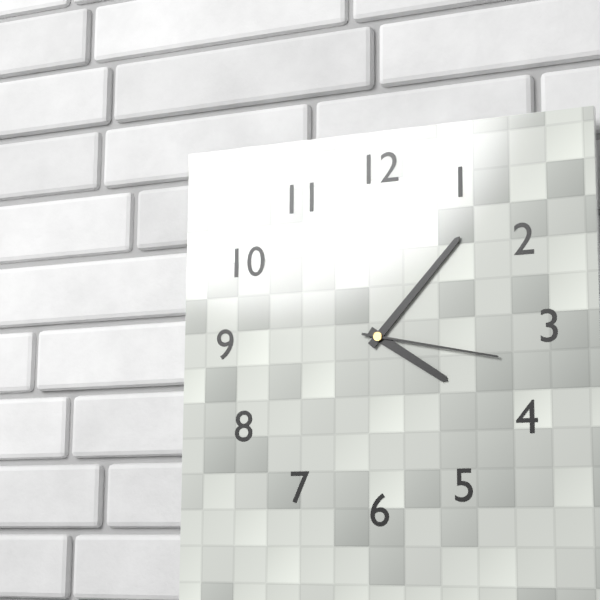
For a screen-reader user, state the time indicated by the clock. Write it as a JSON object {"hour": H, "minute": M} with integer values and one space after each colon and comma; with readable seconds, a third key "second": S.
{"hour": 4, "minute": 7, "second": 17}
